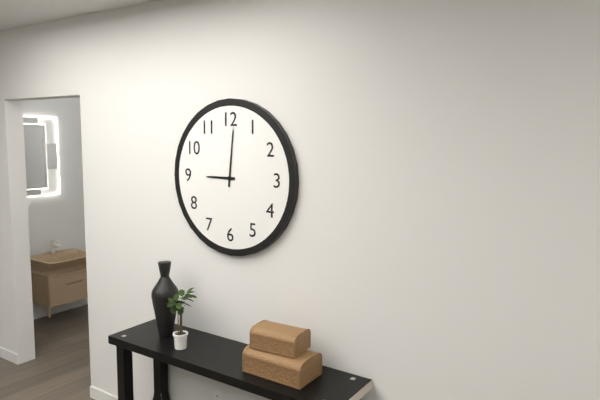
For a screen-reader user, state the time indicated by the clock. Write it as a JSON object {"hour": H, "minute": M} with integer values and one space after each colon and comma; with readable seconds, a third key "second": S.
{"hour": 9, "minute": 1}
